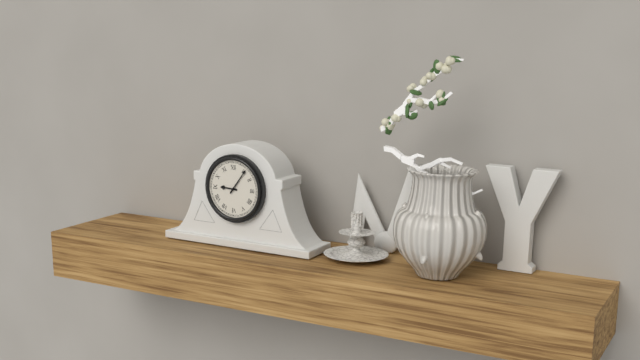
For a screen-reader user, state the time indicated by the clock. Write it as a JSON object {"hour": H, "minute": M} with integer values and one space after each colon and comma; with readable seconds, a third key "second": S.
{"hour": 9, "minute": 6}
